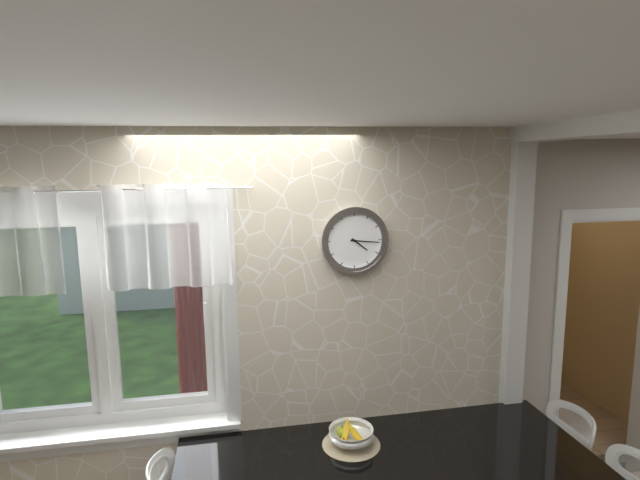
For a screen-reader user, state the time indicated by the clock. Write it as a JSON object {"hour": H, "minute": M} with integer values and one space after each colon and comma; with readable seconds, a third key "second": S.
{"hour": 4, "minute": 16}
